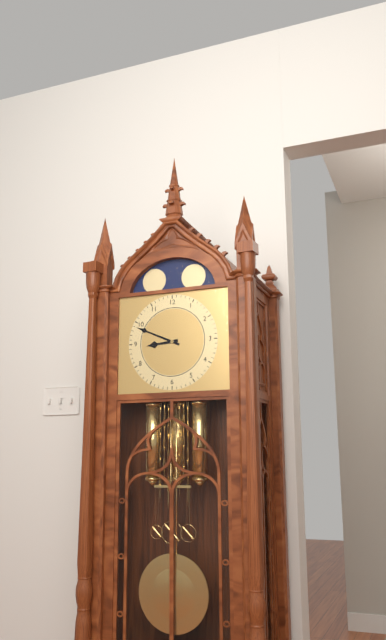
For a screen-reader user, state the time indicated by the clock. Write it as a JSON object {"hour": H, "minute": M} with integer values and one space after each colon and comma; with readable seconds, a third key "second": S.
{"hour": 8, "minute": 49}
